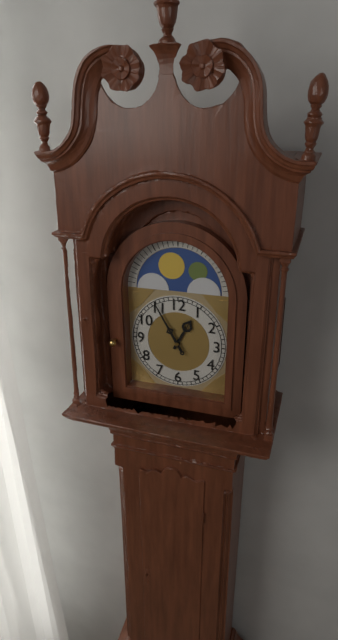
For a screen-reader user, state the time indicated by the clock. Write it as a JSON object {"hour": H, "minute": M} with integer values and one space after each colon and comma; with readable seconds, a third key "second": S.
{"hour": 12, "minute": 55}
